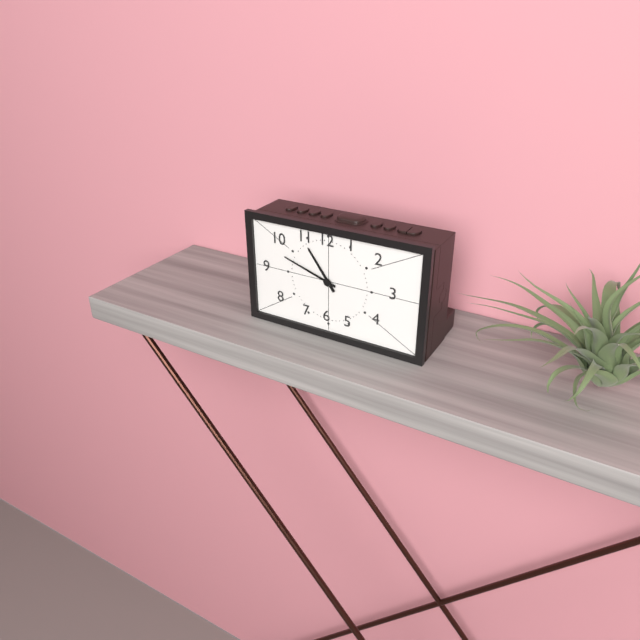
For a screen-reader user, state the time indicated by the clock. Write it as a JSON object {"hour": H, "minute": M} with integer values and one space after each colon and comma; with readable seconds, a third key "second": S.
{"hour": 10, "minute": 48}
